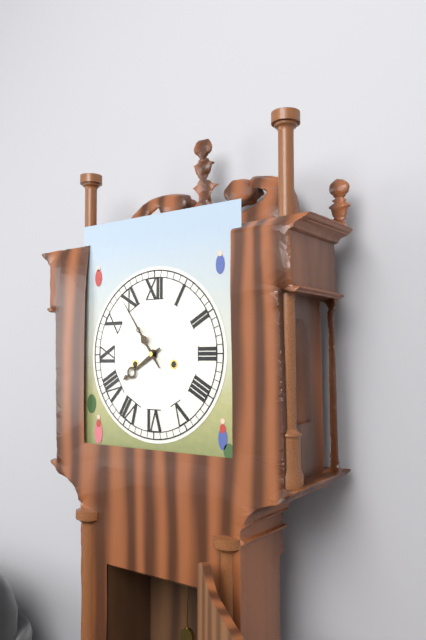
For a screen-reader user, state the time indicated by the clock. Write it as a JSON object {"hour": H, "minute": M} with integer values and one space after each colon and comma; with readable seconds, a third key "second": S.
{"hour": 7, "minute": 54}
